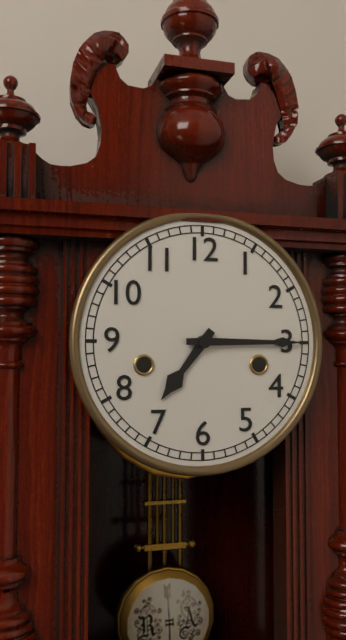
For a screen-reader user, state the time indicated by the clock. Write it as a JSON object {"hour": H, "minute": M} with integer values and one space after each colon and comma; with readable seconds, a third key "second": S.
{"hour": 7, "minute": 15}
